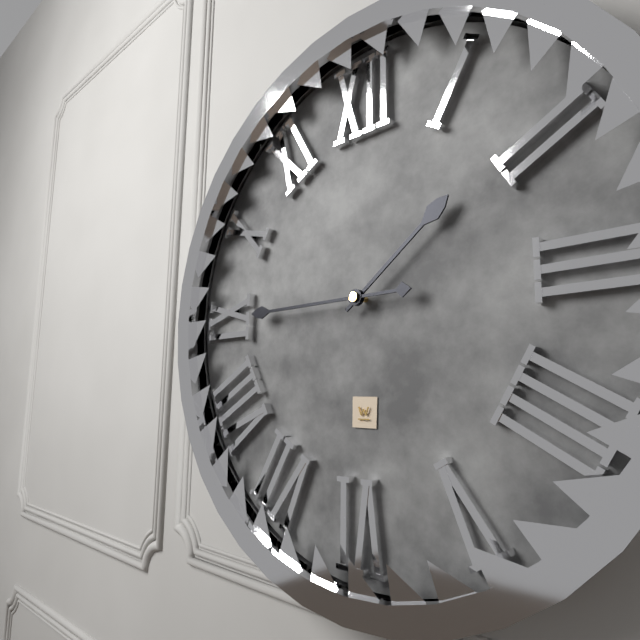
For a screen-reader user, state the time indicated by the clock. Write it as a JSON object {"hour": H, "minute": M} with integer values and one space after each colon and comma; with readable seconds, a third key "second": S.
{"hour": 1, "minute": 45}
